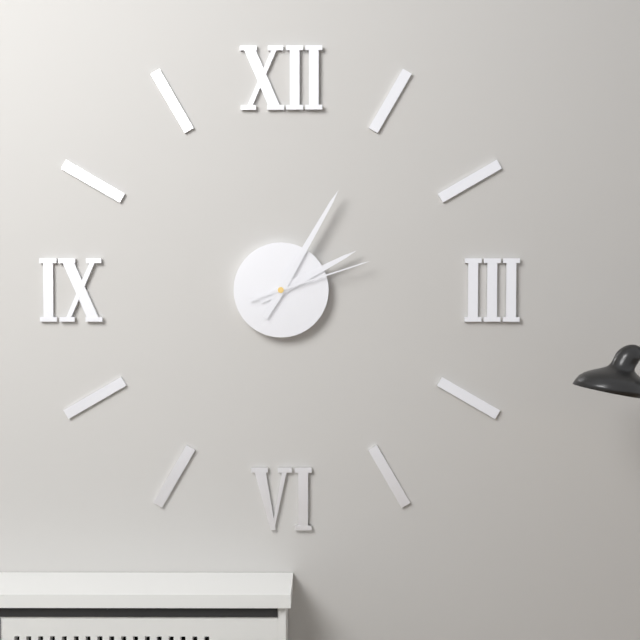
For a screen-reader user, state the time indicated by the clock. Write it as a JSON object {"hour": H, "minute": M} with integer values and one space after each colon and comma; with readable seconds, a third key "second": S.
{"hour": 2, "minute": 5, "second": 12}
